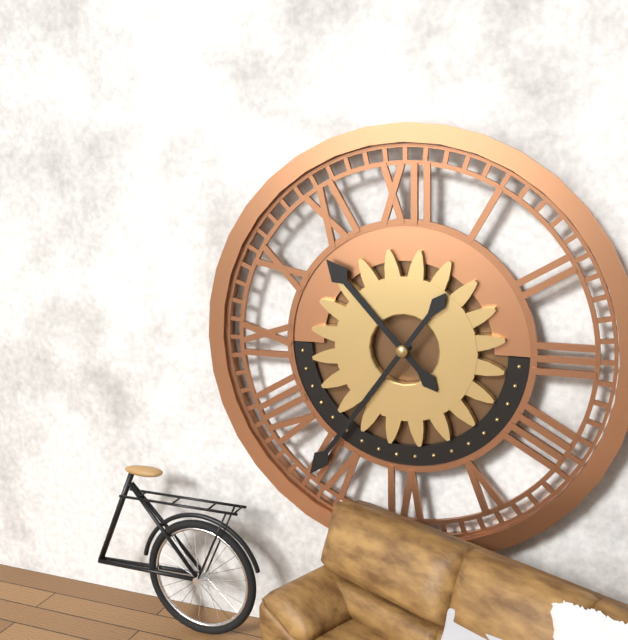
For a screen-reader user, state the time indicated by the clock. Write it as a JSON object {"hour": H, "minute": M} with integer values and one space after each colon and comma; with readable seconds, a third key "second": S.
{"hour": 10, "minute": 36}
